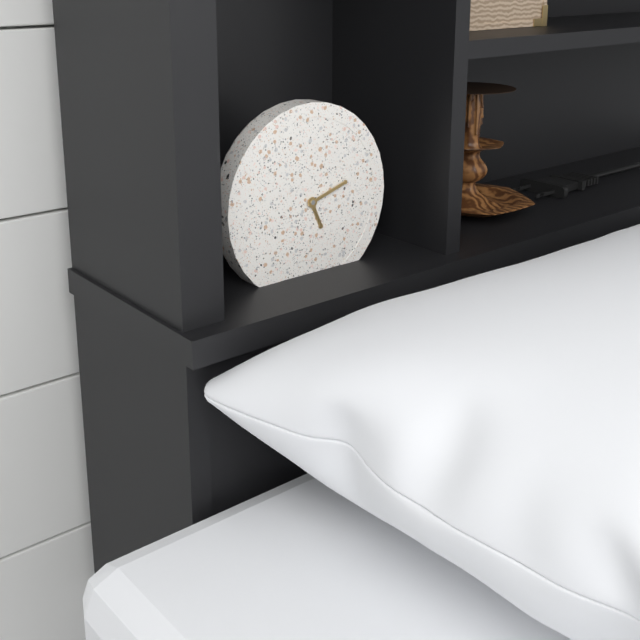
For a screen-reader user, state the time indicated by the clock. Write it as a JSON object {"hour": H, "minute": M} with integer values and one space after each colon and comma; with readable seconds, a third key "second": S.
{"hour": 5, "minute": 12}
